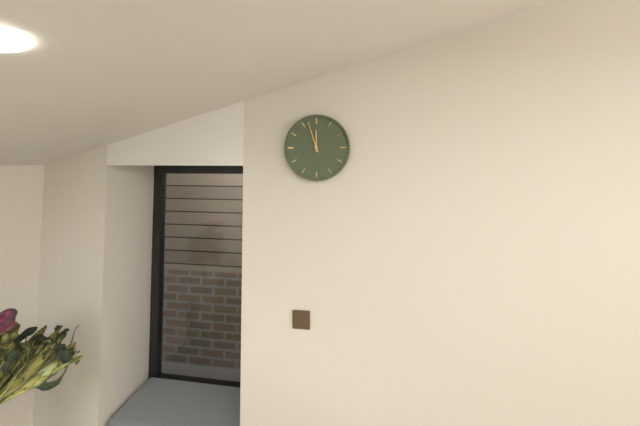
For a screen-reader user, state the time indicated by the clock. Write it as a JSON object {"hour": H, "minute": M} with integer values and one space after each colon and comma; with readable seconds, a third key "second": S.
{"hour": 11, "minute": 57}
